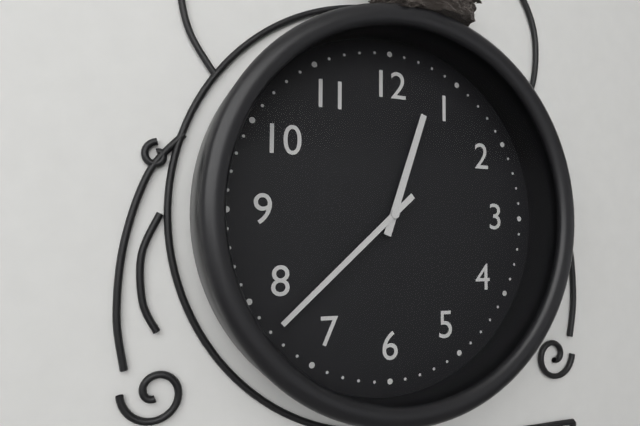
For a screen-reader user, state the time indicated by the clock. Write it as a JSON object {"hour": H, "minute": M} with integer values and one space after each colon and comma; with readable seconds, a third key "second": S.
{"hour": 12, "minute": 38}
